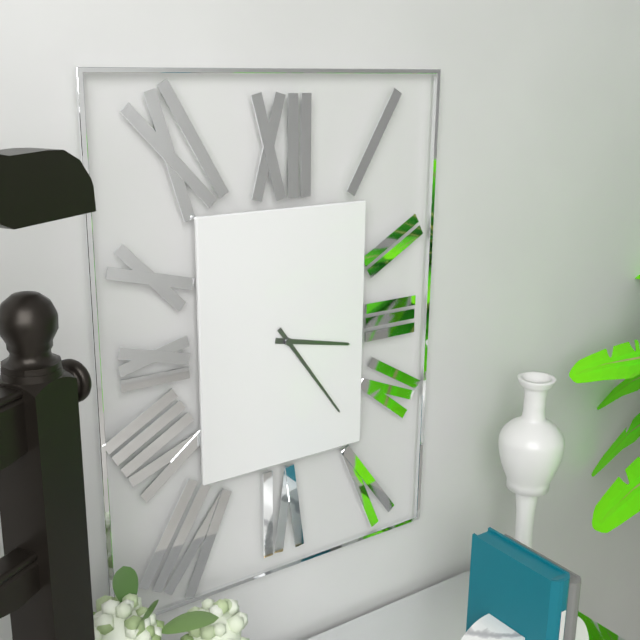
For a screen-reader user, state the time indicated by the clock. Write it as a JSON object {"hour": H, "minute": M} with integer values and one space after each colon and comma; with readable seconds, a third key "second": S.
{"hour": 3, "minute": 24}
